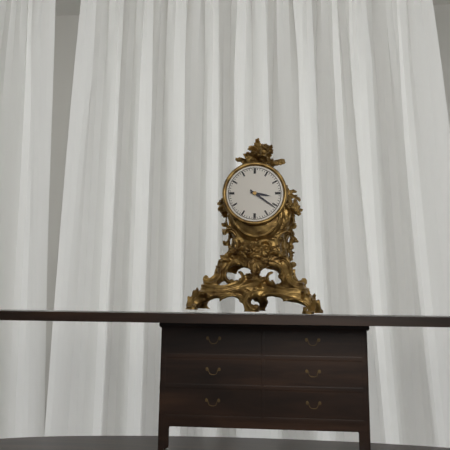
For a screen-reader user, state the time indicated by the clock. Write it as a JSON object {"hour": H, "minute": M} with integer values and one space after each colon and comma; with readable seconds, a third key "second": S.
{"hour": 3, "minute": 21}
